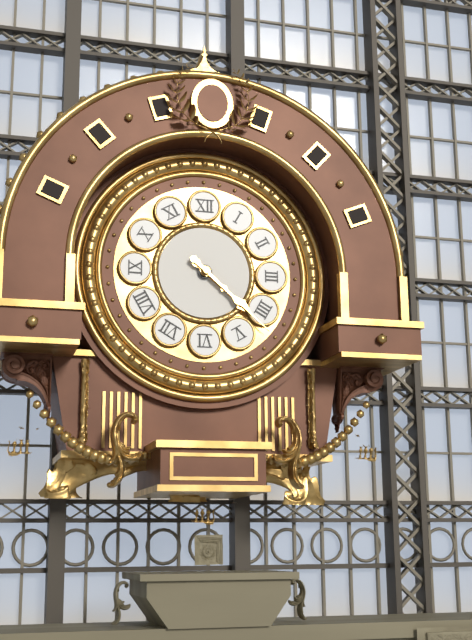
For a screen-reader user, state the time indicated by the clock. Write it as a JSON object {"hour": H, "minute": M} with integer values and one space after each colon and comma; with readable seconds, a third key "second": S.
{"hour": 4, "minute": 22}
